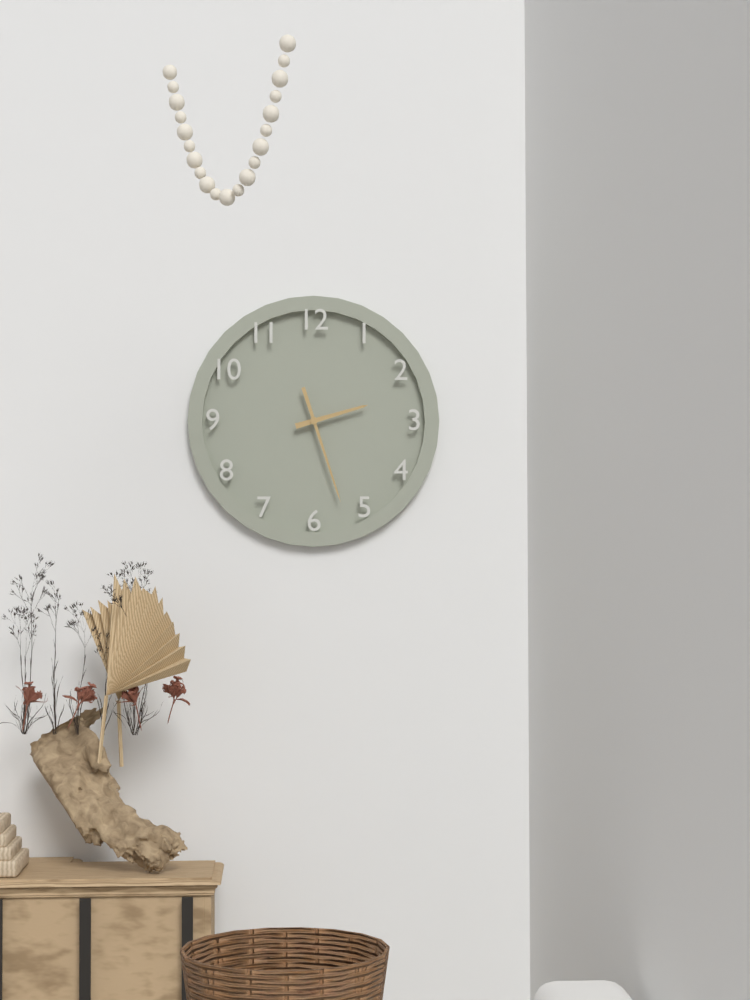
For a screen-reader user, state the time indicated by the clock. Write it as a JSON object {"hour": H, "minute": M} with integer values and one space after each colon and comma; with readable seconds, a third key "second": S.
{"hour": 2, "minute": 27}
